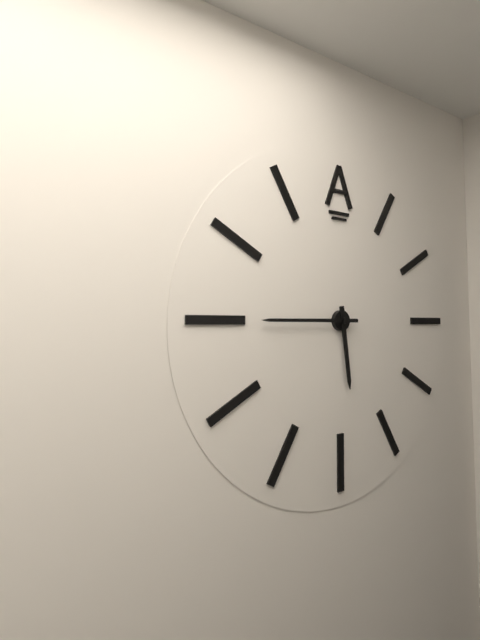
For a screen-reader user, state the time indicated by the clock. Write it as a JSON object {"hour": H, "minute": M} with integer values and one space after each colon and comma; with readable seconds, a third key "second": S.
{"hour": 5, "minute": 45}
